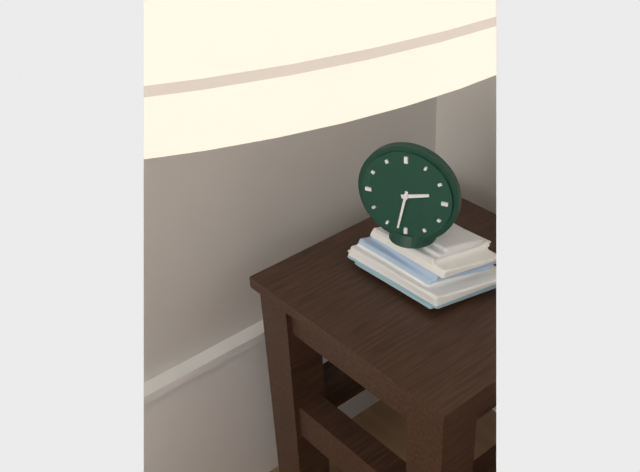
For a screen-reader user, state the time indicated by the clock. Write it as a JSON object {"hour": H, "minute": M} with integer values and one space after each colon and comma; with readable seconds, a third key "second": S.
{"hour": 2, "minute": 32}
